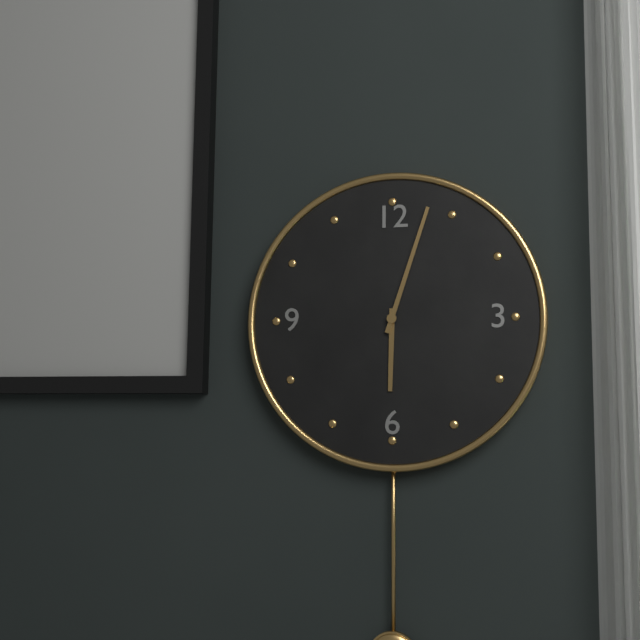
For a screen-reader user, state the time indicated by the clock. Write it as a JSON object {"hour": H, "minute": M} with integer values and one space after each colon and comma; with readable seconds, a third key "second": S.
{"hour": 6, "minute": 3}
